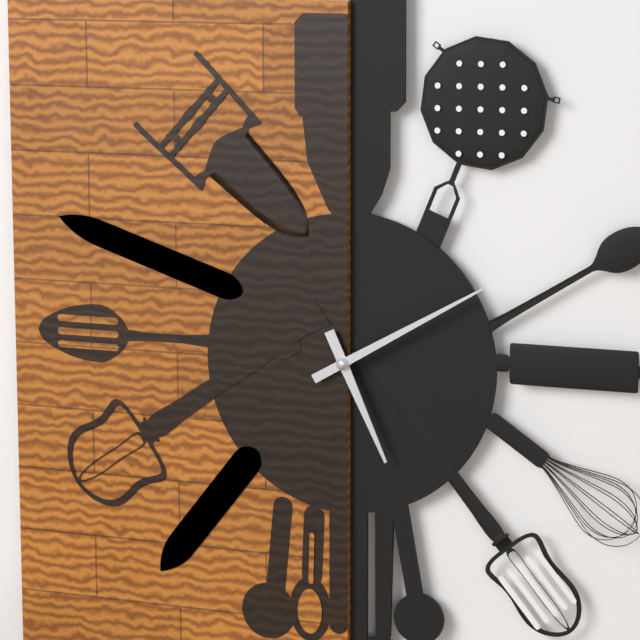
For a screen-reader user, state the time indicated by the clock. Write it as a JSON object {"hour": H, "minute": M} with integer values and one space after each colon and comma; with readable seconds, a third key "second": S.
{"hour": 5, "minute": 10}
